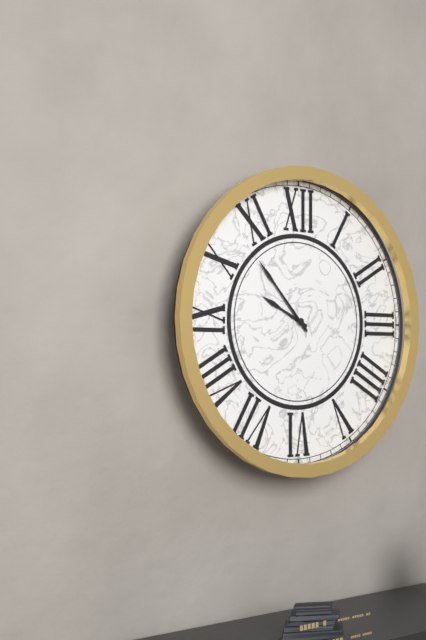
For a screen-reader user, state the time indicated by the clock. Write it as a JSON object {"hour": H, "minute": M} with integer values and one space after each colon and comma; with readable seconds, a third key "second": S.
{"hour": 9, "minute": 53}
